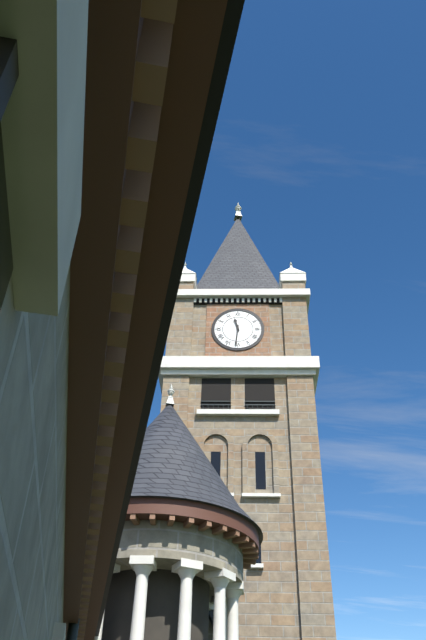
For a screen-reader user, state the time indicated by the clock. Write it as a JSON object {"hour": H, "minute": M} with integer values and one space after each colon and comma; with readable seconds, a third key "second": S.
{"hour": 11, "minute": 31}
